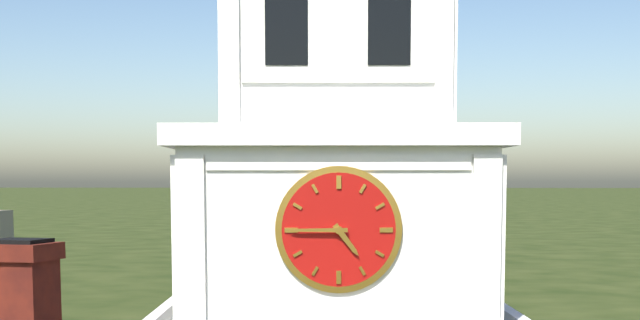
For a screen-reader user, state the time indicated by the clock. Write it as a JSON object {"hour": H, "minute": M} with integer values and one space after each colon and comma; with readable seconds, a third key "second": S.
{"hour": 4, "minute": 45}
